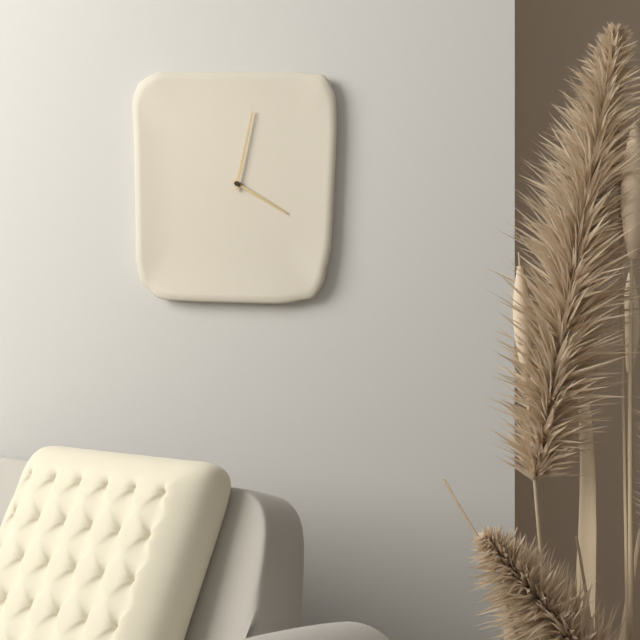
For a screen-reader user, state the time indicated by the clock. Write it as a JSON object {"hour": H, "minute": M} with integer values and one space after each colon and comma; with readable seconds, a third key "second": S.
{"hour": 4, "minute": 2}
